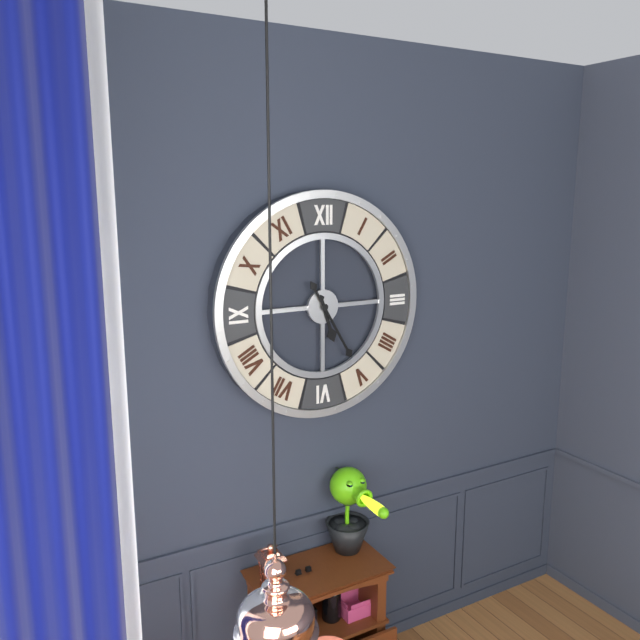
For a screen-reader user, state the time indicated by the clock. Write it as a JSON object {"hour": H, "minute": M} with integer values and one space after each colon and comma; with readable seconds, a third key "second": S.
{"hour": 5, "minute": 25}
